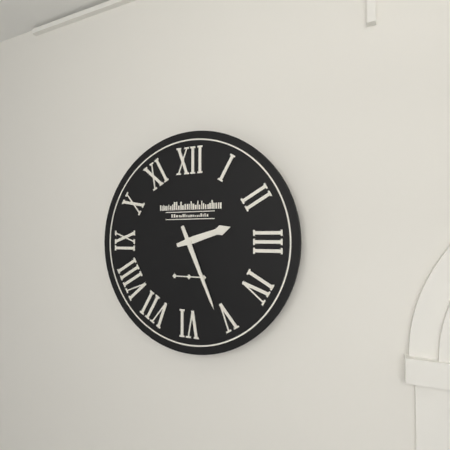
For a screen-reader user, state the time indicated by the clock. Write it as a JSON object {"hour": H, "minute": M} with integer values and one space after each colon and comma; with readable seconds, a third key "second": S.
{"hour": 2, "minute": 26}
